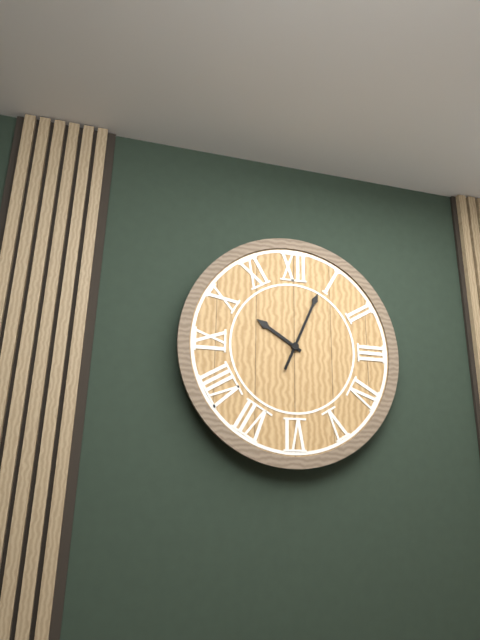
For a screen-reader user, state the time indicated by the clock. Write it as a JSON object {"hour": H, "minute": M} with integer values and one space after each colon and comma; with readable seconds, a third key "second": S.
{"hour": 10, "minute": 4}
